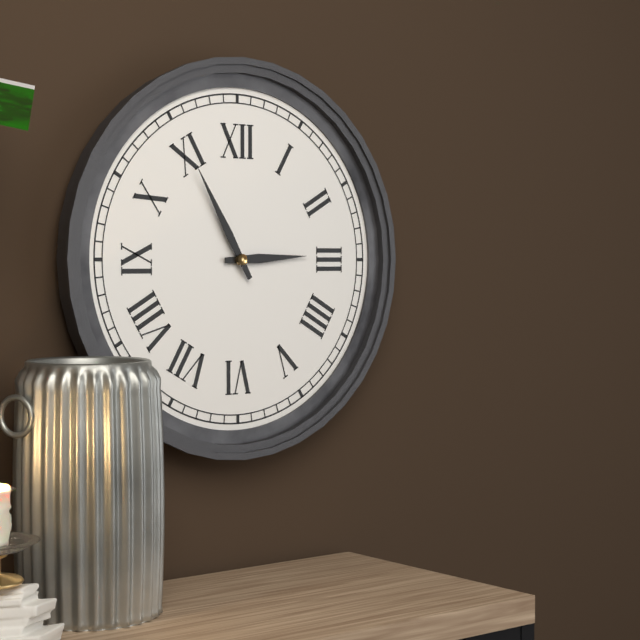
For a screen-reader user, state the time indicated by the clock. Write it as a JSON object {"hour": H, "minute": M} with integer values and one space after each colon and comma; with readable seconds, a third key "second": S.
{"hour": 2, "minute": 55}
